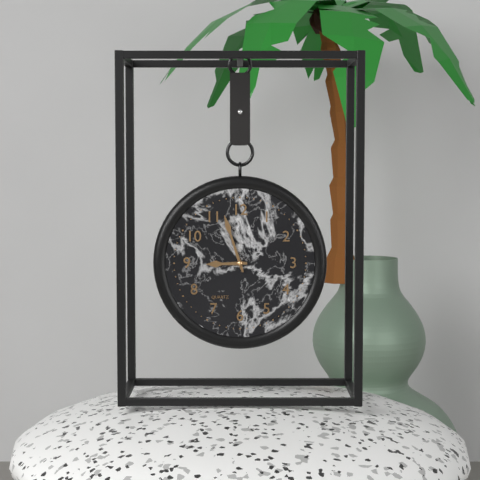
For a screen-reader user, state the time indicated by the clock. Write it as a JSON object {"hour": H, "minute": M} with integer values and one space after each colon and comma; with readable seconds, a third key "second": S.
{"hour": 8, "minute": 57}
